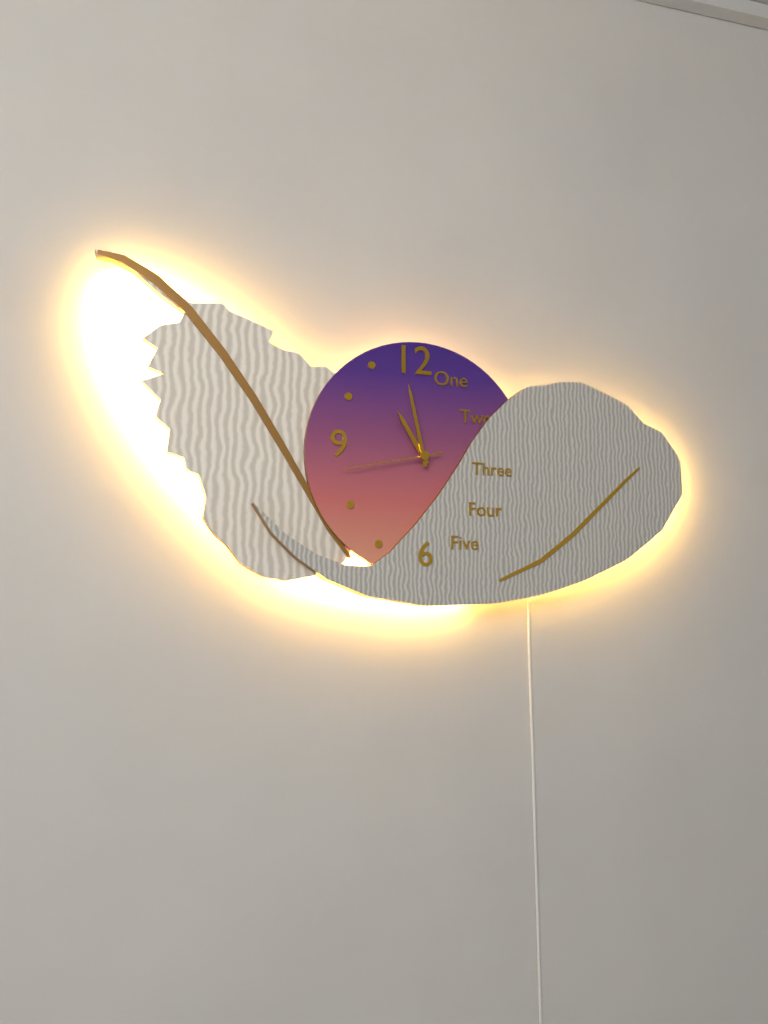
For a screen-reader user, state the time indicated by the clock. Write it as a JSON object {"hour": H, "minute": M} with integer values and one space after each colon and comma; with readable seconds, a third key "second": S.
{"hour": 10, "minute": 58, "second": 43}
